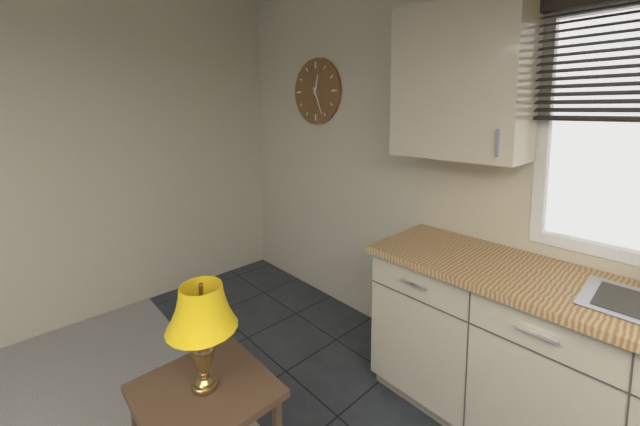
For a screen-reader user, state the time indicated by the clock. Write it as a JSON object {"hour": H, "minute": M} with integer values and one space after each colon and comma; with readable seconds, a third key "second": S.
{"hour": 12, "minute": 26}
